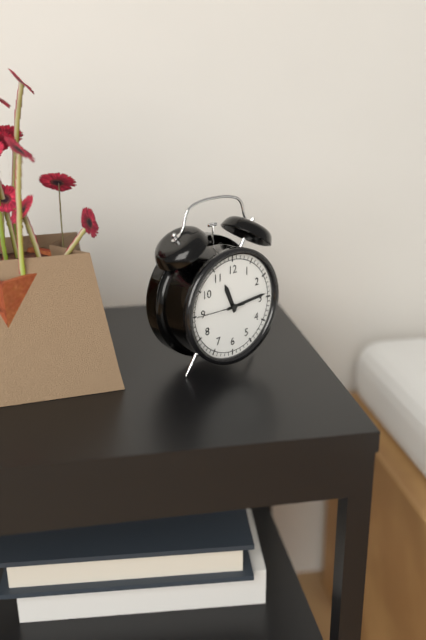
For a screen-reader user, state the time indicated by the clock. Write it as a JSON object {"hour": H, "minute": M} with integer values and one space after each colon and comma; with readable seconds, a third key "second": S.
{"hour": 11, "minute": 14}
